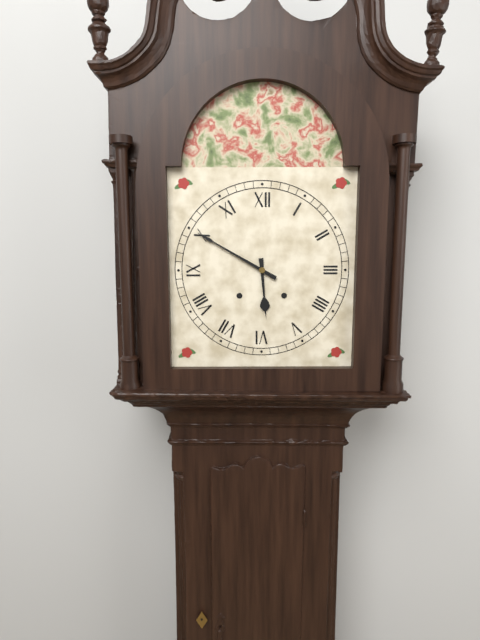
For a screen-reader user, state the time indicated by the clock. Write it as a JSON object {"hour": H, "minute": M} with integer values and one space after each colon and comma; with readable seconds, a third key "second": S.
{"hour": 5, "minute": 50}
